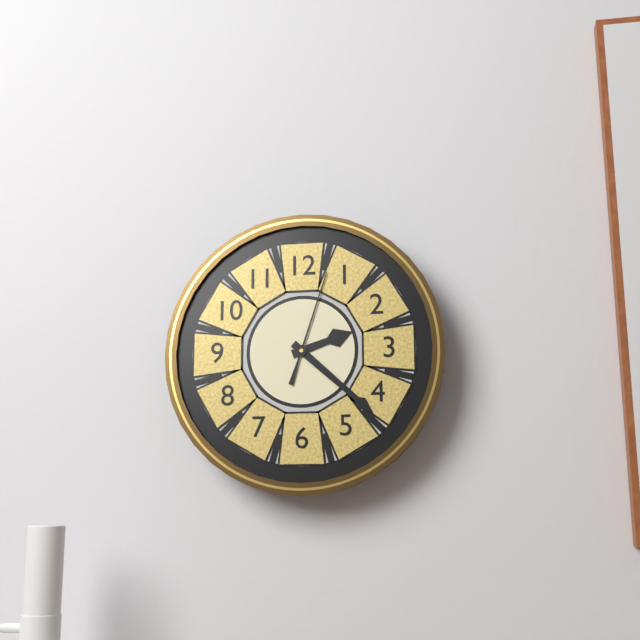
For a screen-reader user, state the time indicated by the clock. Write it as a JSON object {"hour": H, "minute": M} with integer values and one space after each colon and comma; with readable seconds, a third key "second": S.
{"hour": 2, "minute": 22, "second": 3}
